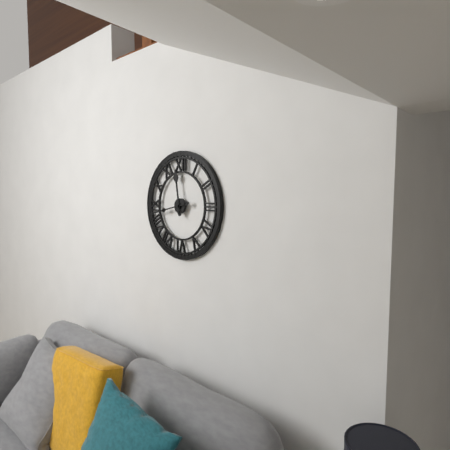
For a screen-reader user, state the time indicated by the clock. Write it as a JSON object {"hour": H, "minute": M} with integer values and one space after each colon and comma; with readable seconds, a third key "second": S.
{"hour": 11, "minute": 43}
